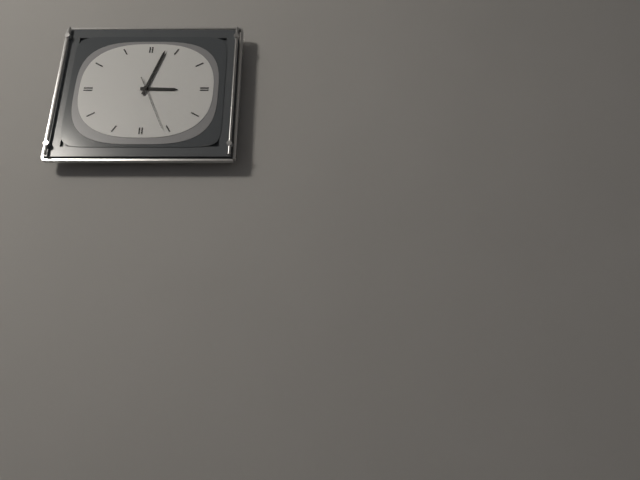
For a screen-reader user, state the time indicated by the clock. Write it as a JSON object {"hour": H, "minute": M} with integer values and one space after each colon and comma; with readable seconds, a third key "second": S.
{"hour": 3, "minute": 3, "second": 26}
